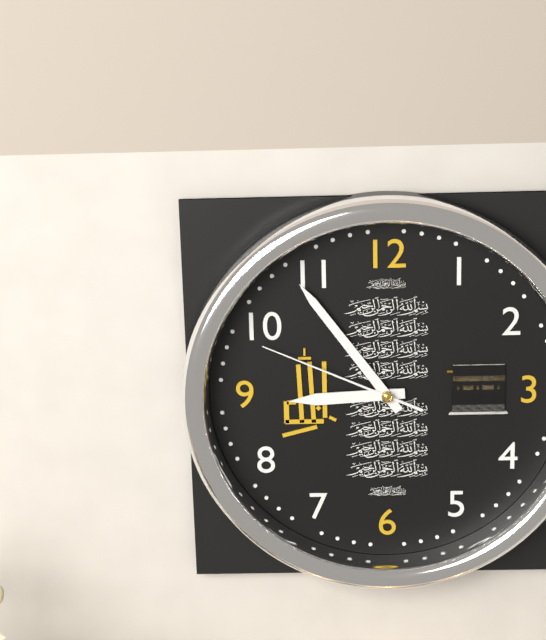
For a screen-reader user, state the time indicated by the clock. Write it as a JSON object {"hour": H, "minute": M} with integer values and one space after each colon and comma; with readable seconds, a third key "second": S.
{"hour": 8, "minute": 54, "second": 49}
